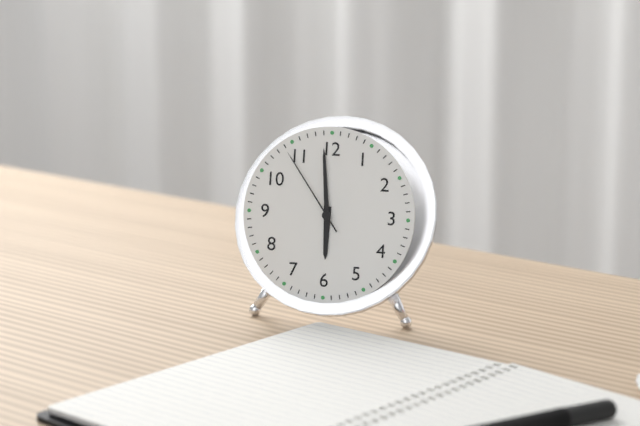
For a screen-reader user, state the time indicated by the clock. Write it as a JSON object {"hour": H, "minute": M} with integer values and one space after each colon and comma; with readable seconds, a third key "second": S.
{"hour": 5, "minute": 59, "second": 54}
